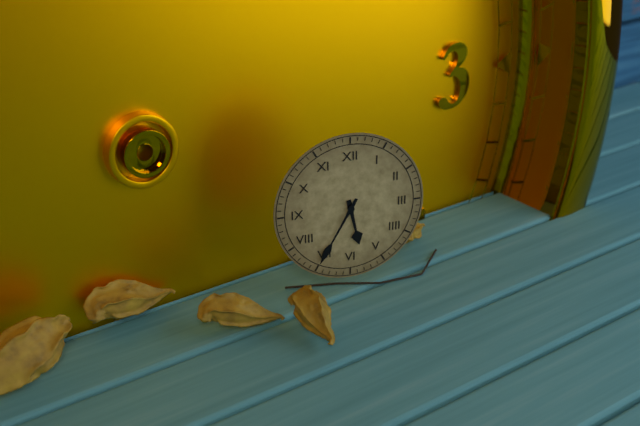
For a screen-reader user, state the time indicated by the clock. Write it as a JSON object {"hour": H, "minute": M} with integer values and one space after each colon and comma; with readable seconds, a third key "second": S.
{"hour": 5, "minute": 35}
